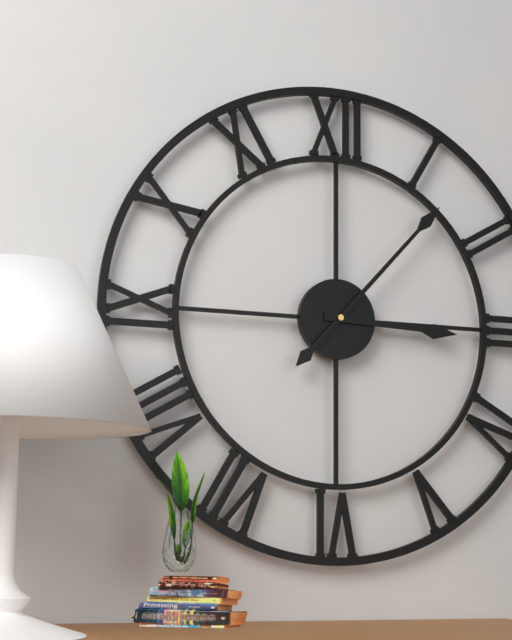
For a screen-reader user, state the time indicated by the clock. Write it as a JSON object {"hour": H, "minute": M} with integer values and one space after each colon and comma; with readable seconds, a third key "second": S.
{"hour": 3, "minute": 7}
